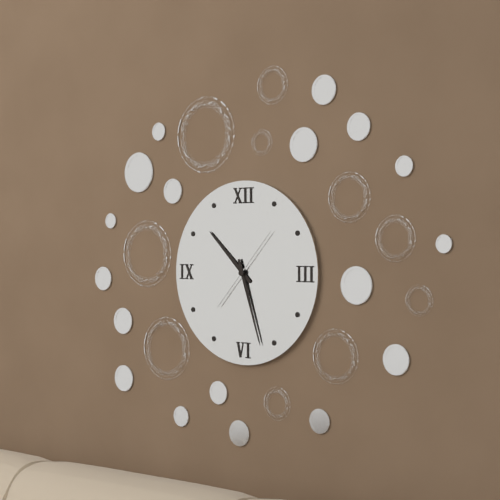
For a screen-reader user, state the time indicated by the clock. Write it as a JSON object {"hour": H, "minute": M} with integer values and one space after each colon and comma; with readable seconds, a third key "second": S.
{"hour": 10, "minute": 27, "second": 7}
